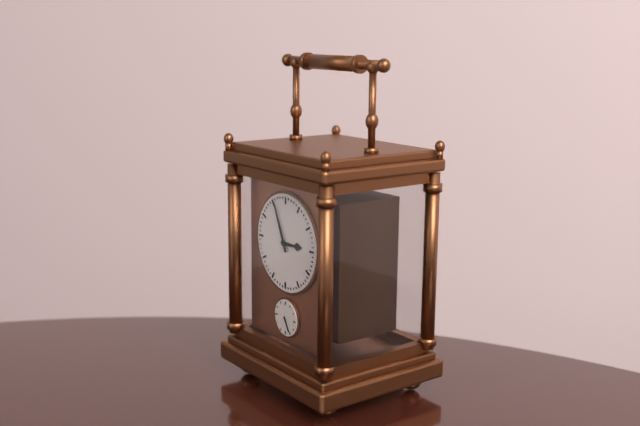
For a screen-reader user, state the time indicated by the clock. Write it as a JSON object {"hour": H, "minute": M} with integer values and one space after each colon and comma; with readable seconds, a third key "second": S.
{"hour": 2, "minute": 56}
